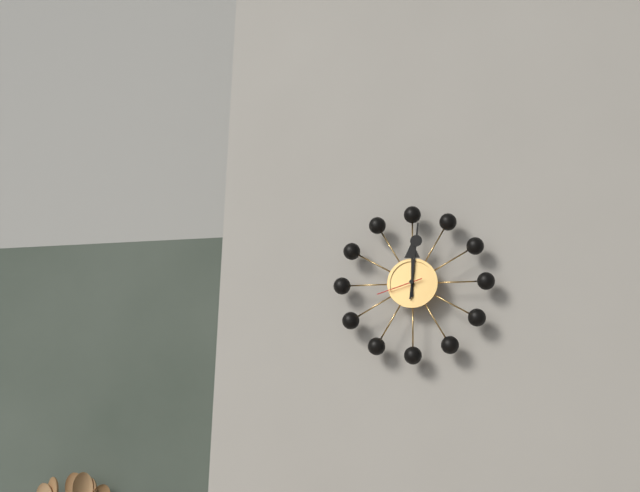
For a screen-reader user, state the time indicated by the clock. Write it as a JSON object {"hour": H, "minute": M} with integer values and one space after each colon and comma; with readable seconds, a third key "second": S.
{"hour": 12, "minute": 1}
